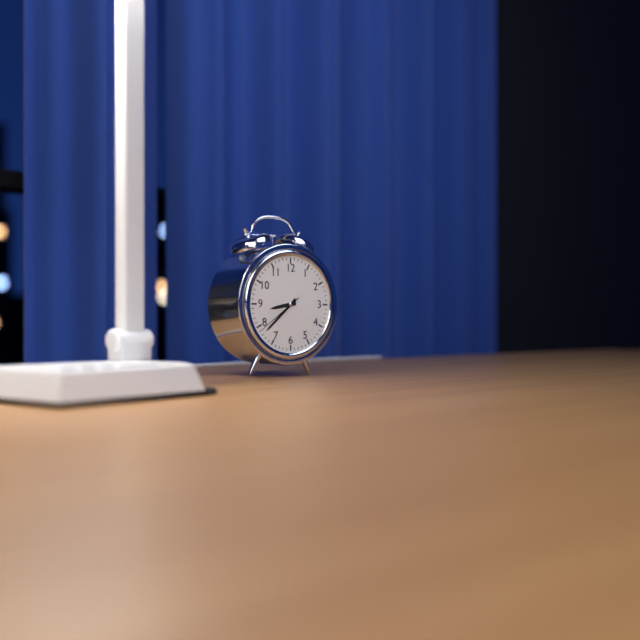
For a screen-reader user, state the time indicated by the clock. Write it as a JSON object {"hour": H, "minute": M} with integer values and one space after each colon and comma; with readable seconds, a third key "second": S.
{"hour": 8, "minute": 38}
